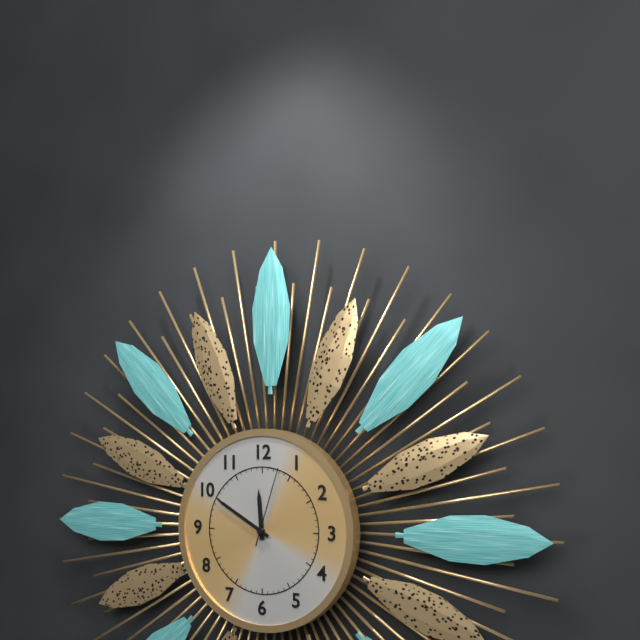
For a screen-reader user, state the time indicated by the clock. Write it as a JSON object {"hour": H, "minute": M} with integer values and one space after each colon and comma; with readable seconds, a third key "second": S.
{"hour": 11, "minute": 50, "second": 3}
